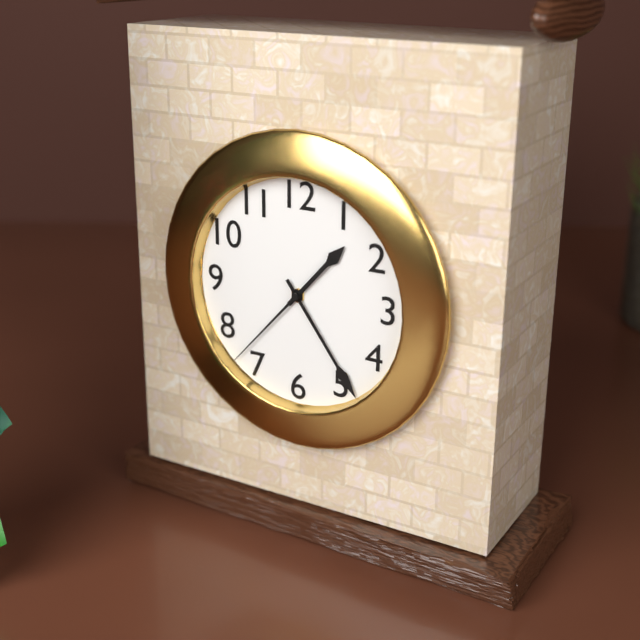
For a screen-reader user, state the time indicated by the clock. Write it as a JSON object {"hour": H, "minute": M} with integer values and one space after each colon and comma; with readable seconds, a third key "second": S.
{"hour": 1, "minute": 24, "second": 37}
